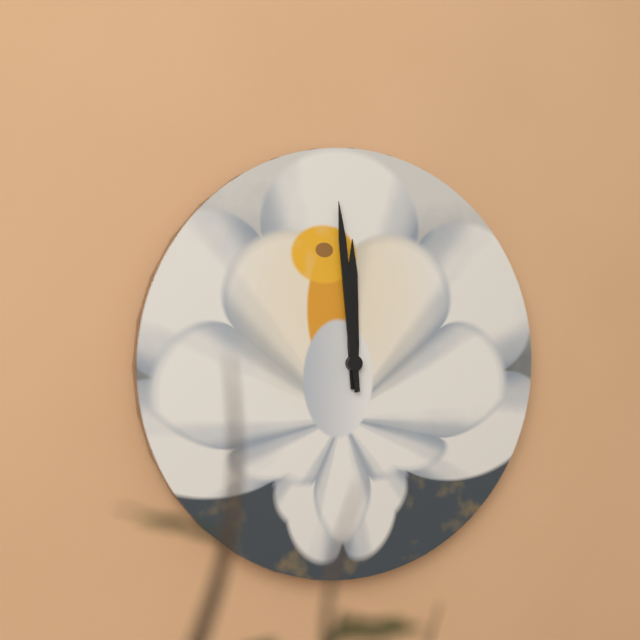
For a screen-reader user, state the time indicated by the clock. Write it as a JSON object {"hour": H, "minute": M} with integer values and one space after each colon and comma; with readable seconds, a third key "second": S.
{"hour": 11, "minute": 59}
